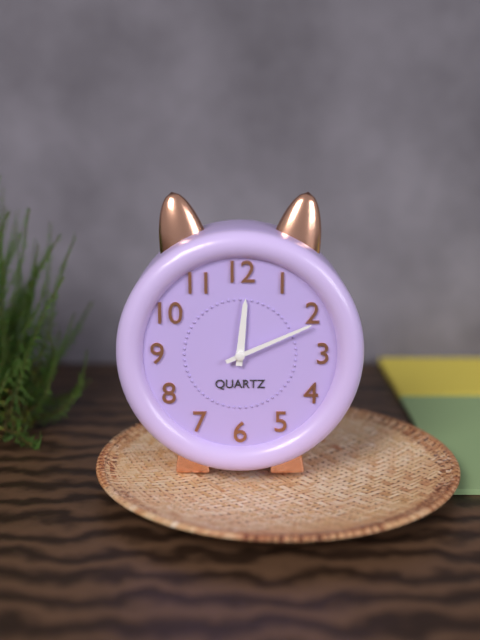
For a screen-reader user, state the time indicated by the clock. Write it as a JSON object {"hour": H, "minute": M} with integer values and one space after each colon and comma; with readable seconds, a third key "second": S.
{"hour": 12, "minute": 11}
